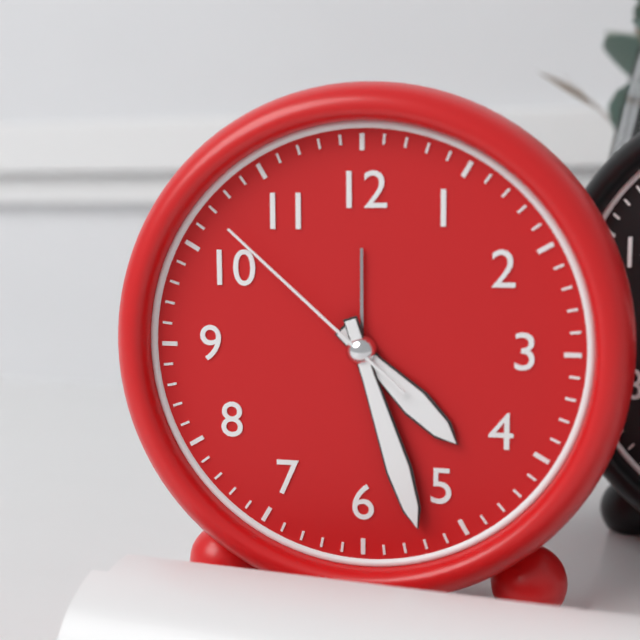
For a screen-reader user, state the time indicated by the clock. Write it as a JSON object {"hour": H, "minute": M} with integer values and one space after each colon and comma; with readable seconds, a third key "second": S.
{"hour": 4, "minute": 27, "second": 52}
